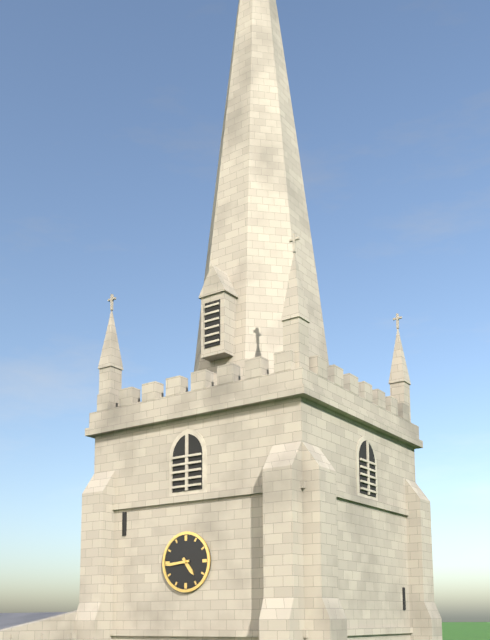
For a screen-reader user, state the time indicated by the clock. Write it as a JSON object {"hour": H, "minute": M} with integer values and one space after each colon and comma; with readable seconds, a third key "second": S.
{"hour": 4, "minute": 44}
